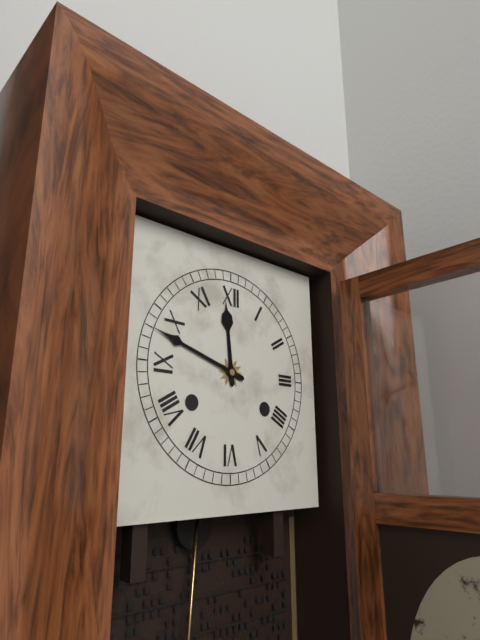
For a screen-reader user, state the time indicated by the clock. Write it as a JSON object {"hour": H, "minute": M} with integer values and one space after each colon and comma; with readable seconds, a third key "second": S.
{"hour": 11, "minute": 48}
